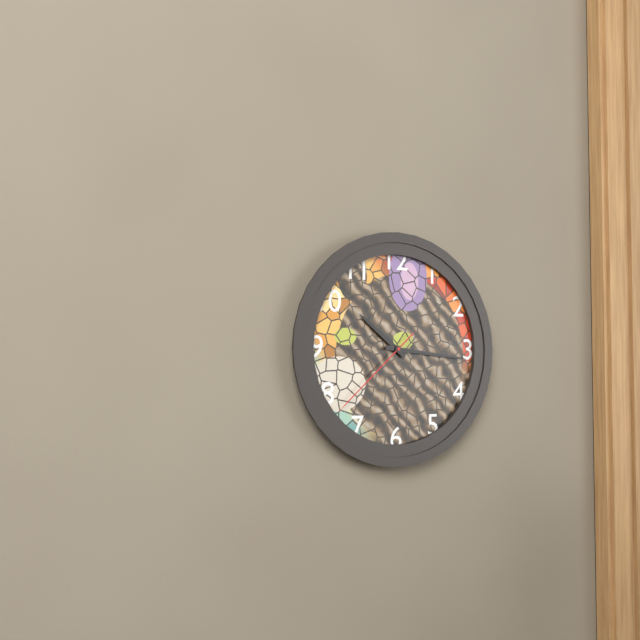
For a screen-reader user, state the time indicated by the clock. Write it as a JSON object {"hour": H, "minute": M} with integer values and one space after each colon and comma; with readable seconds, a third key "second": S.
{"hour": 10, "minute": 16, "second": 38}
